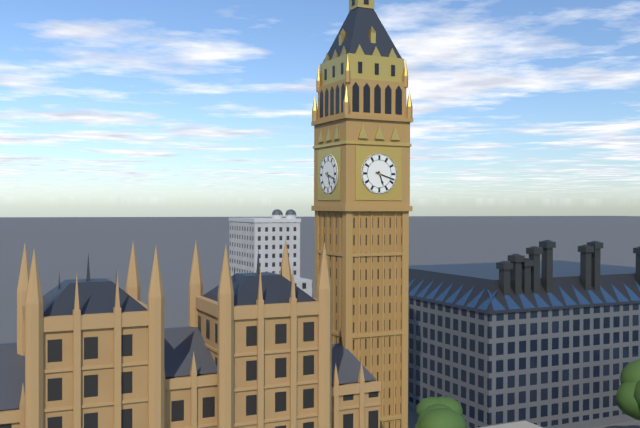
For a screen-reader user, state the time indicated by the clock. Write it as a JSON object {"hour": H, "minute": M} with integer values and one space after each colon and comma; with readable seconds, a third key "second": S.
{"hour": 5, "minute": 18}
